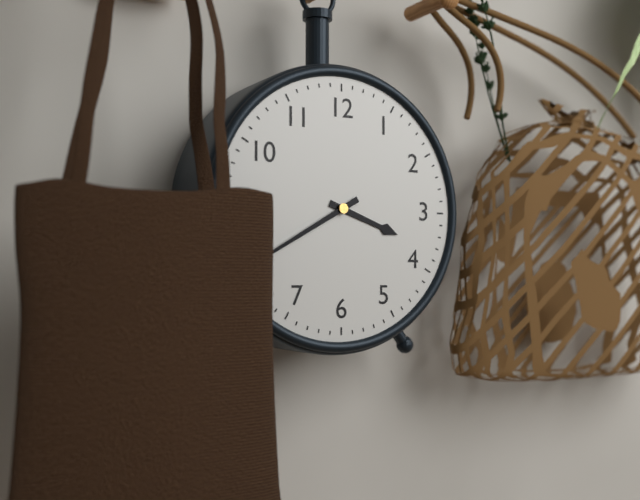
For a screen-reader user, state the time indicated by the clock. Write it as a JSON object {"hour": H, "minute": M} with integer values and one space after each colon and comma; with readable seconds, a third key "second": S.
{"hour": 3, "minute": 40}
